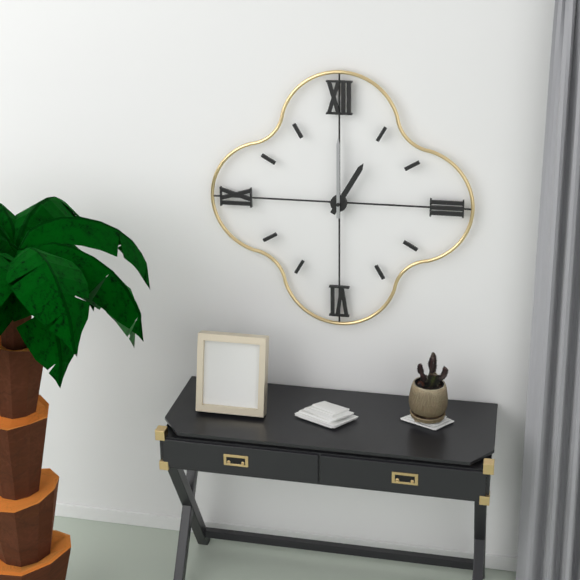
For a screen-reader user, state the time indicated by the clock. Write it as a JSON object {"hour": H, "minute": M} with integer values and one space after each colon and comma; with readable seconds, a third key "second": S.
{"hour": 1, "minute": 0}
